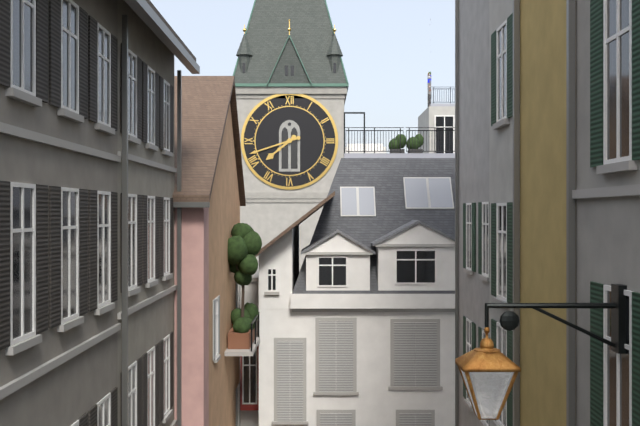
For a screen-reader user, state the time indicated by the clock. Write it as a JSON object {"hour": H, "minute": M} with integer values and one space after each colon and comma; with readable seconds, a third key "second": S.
{"hour": 7, "minute": 42}
